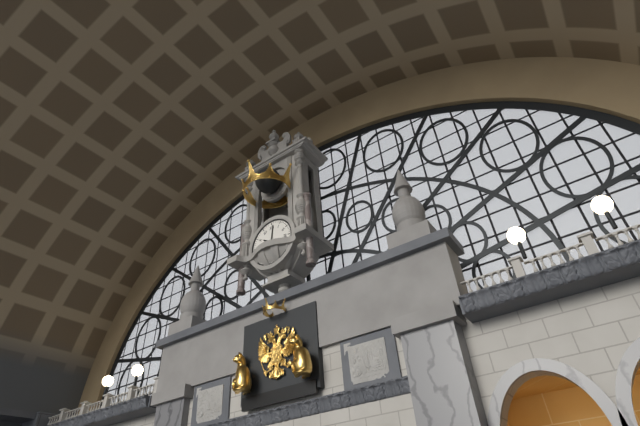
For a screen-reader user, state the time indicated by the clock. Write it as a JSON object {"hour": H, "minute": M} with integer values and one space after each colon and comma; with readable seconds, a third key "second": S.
{"hour": 10, "minute": 1}
